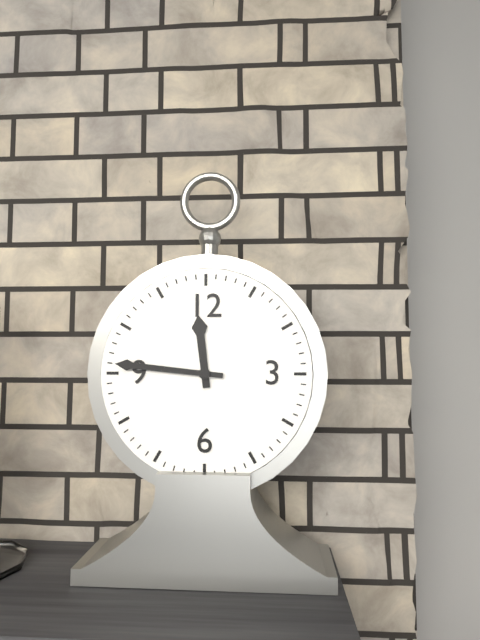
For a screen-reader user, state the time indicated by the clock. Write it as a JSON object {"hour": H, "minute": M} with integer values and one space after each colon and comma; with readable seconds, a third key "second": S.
{"hour": 11, "minute": 46}
